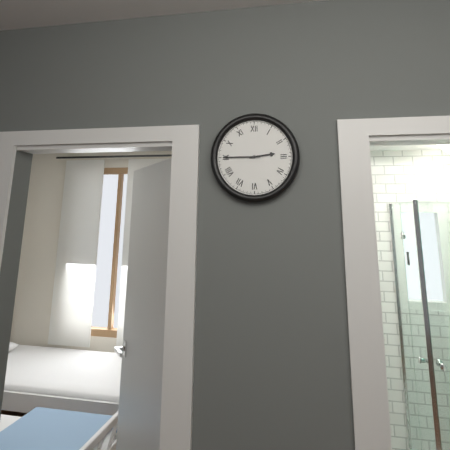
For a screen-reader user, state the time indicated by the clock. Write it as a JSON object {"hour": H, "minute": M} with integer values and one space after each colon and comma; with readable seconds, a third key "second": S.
{"hour": 2, "minute": 45}
